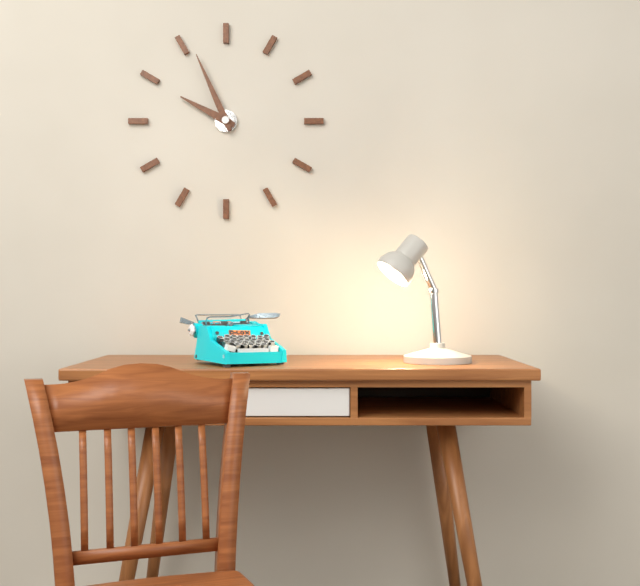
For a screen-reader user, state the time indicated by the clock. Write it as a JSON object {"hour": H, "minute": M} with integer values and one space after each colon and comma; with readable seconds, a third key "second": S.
{"hour": 9, "minute": 56}
